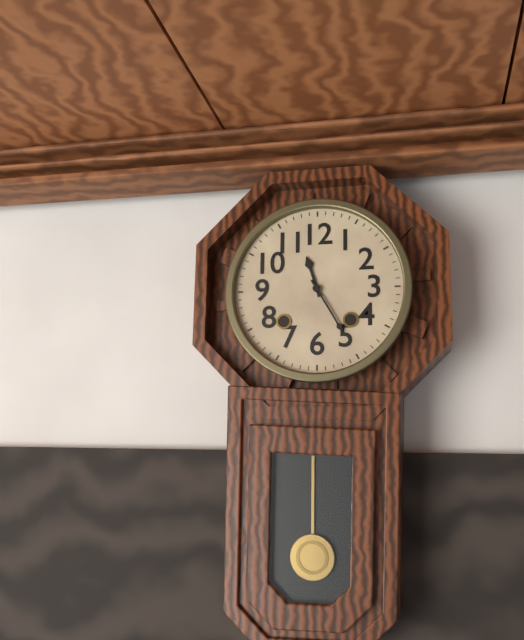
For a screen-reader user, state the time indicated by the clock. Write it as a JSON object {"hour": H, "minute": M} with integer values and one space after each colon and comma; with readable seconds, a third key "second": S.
{"hour": 11, "minute": 25}
